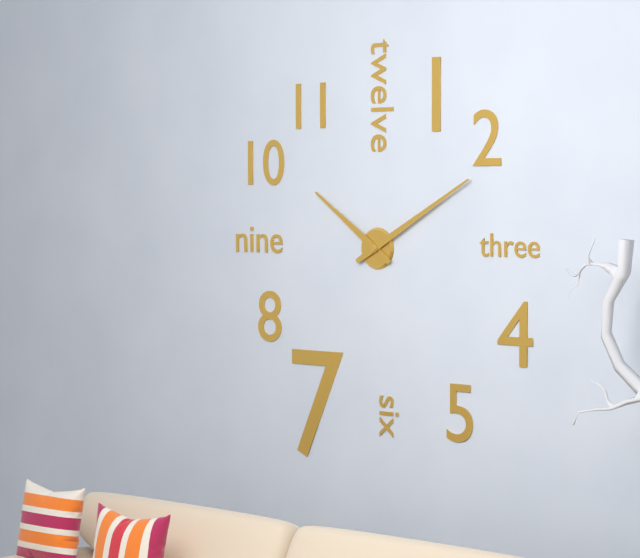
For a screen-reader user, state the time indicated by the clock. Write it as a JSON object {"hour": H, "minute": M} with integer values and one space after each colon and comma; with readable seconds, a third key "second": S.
{"hour": 10, "minute": 10}
